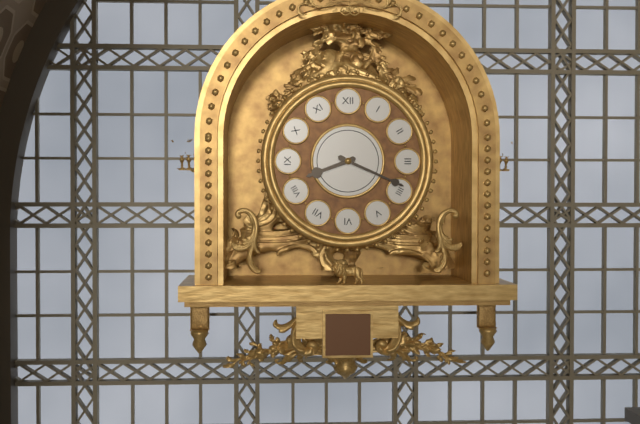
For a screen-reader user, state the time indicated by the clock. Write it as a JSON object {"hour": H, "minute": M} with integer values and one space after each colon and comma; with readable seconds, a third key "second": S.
{"hour": 8, "minute": 19}
